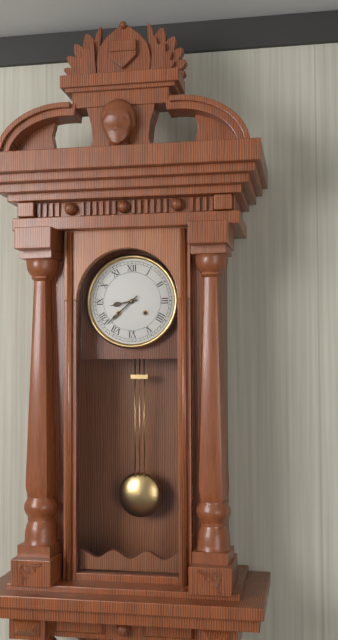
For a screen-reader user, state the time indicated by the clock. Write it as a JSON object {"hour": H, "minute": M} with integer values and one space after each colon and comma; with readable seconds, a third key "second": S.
{"hour": 8, "minute": 38}
